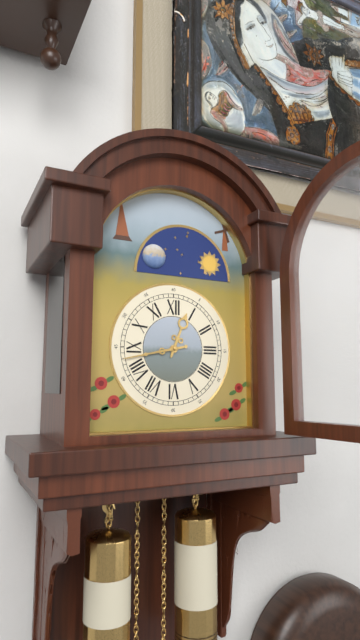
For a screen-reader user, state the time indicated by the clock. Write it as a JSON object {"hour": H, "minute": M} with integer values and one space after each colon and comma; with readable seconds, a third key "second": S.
{"hour": 12, "minute": 43}
